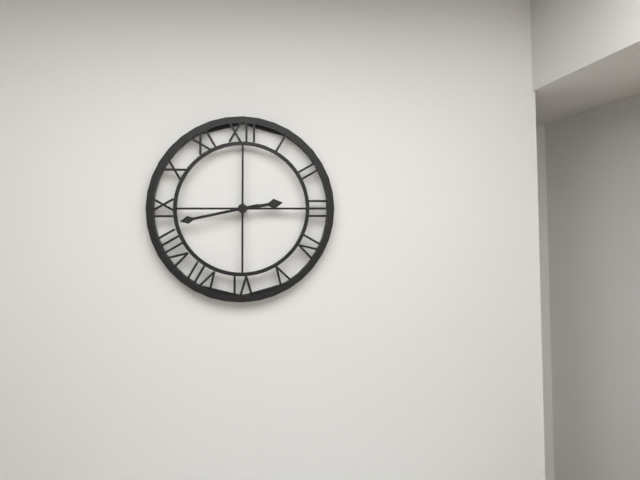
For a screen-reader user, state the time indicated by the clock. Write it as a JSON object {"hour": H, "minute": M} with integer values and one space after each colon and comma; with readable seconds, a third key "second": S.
{"hour": 2, "minute": 43}
